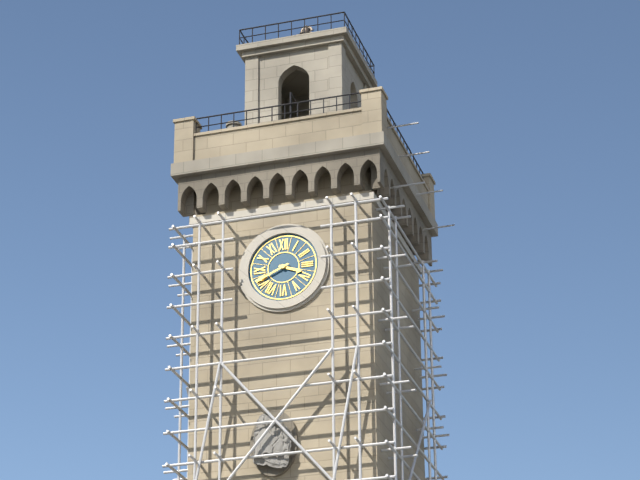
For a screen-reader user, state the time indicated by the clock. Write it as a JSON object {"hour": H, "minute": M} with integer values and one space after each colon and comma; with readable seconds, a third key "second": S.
{"hour": 3, "minute": 41}
